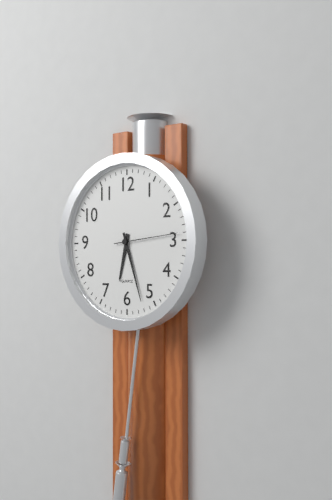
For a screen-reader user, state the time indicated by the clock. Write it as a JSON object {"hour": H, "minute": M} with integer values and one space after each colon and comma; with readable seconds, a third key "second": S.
{"hour": 6, "minute": 27, "second": 14}
